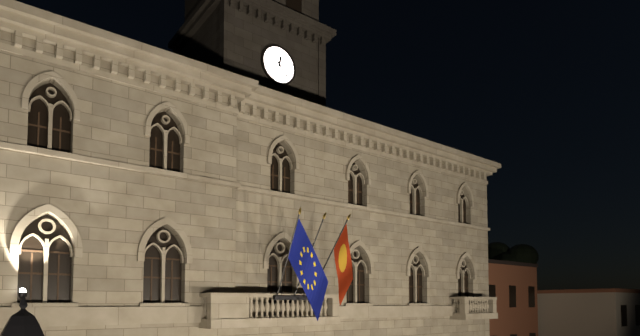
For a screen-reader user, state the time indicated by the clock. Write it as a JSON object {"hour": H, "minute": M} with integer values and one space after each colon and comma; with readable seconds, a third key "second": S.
{"hour": 12, "minute": 23}
